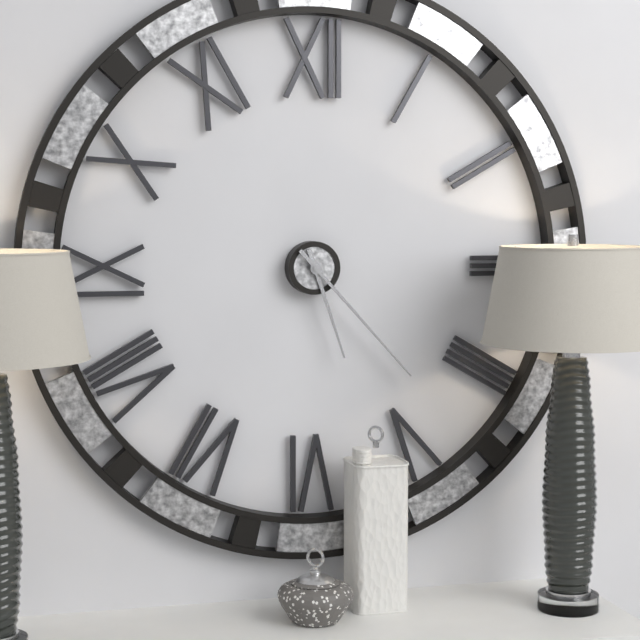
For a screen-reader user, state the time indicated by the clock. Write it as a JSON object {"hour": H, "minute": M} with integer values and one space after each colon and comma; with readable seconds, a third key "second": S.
{"hour": 5, "minute": 23}
